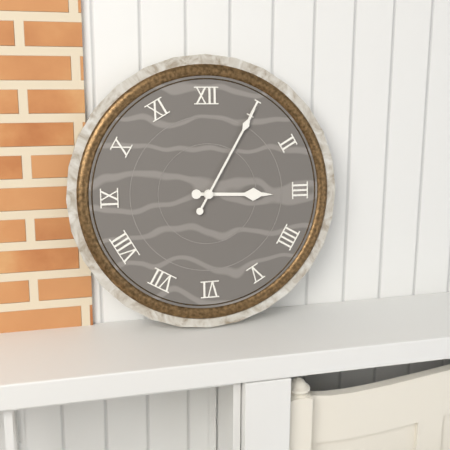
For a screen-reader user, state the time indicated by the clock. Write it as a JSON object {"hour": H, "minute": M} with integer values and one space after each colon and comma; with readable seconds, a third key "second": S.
{"hour": 3, "minute": 5}
